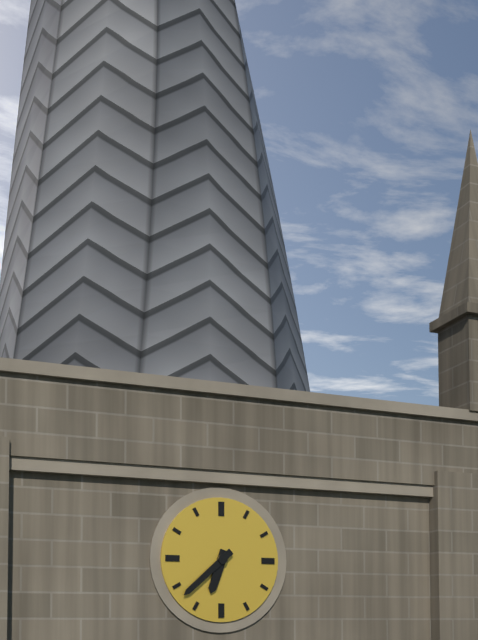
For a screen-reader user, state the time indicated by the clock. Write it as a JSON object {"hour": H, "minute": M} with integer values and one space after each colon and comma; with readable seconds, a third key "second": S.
{"hour": 6, "minute": 38}
